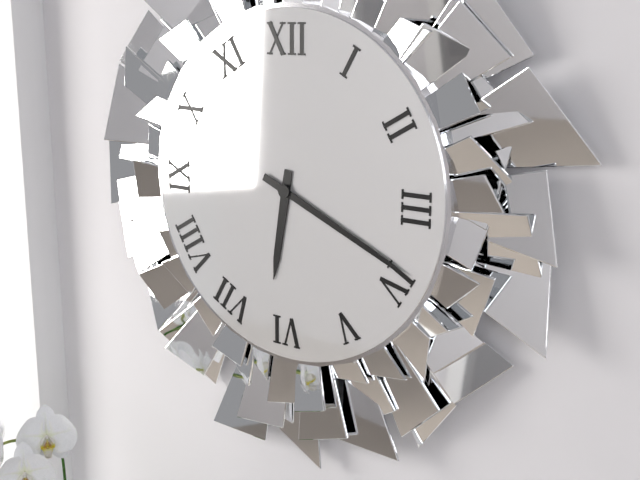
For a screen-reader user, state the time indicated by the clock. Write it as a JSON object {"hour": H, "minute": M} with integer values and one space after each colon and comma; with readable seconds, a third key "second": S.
{"hour": 6, "minute": 19}
